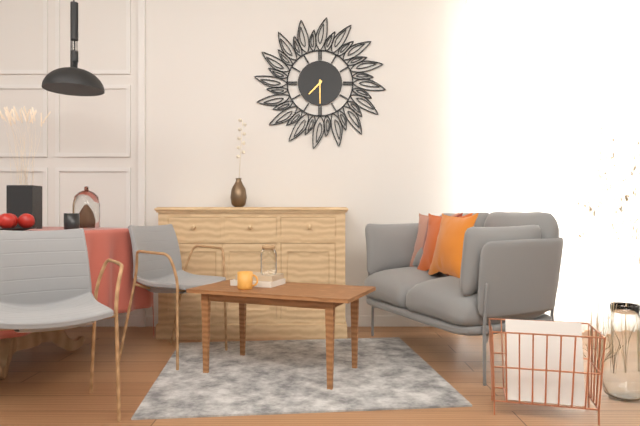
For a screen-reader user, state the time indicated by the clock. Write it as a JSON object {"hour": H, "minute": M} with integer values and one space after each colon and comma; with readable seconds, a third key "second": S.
{"hour": 7, "minute": 30}
